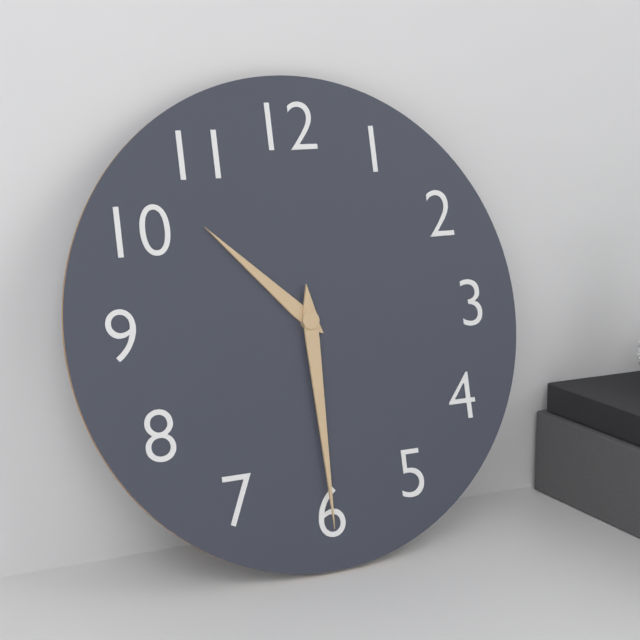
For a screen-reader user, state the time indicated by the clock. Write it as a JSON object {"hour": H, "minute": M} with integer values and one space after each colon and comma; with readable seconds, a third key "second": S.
{"hour": 10, "minute": 30}
